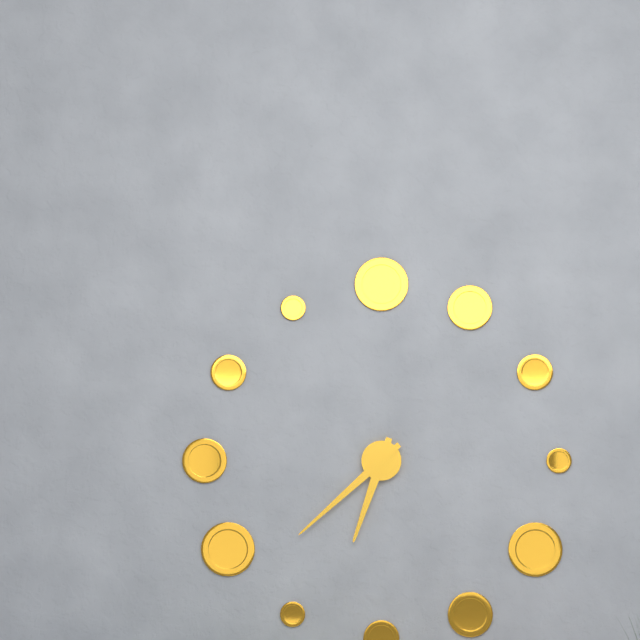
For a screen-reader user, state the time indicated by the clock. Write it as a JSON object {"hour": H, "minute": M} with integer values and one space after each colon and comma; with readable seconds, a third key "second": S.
{"hour": 6, "minute": 38}
